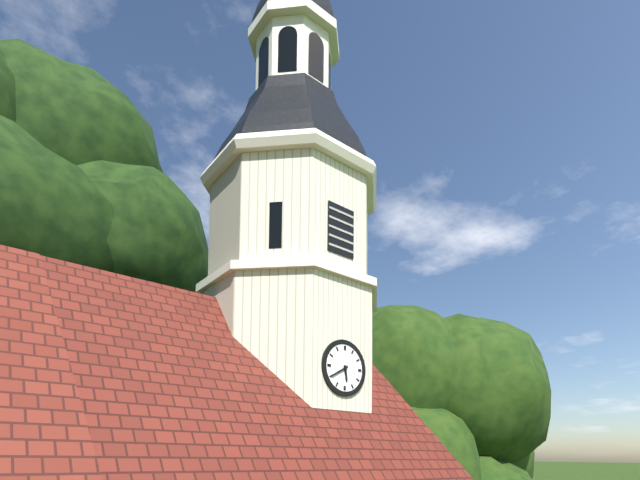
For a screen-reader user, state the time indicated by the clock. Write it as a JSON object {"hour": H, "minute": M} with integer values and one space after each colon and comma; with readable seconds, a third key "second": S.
{"hour": 5, "minute": 40}
